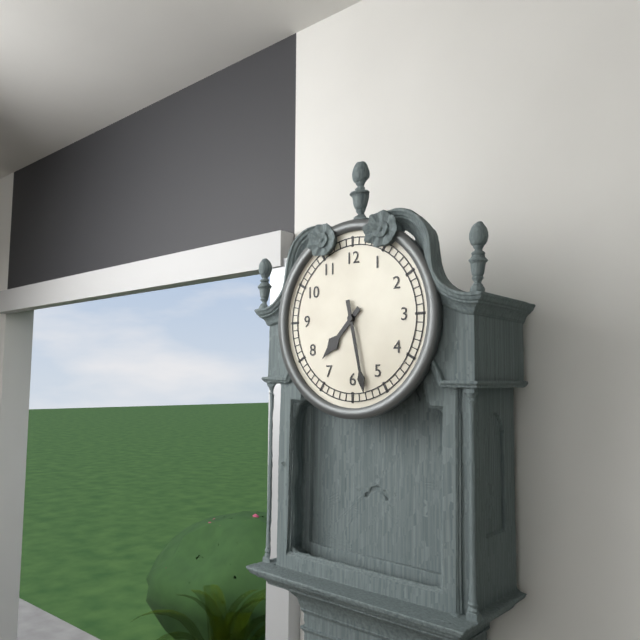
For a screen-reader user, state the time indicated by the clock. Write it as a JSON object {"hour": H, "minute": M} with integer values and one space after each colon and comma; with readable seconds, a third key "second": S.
{"hour": 7, "minute": 28}
